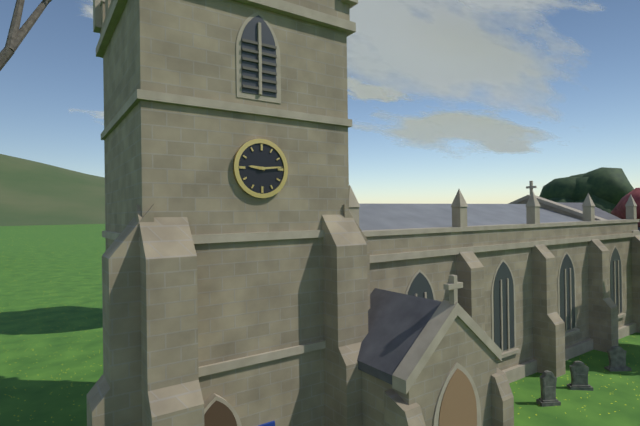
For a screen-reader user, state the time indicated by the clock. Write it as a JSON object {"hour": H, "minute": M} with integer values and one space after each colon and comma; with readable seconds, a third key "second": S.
{"hour": 9, "minute": 14}
